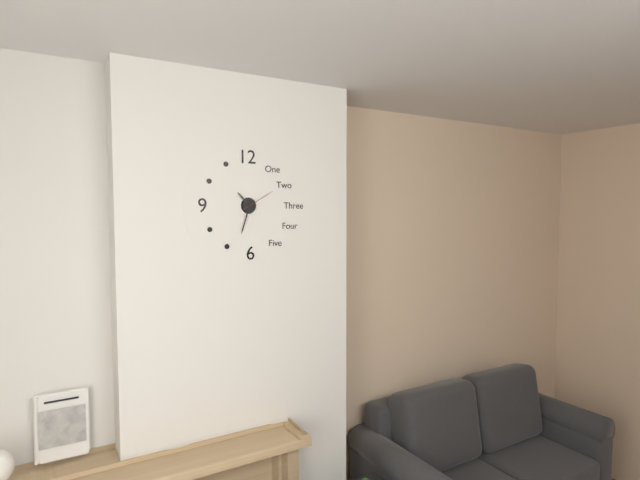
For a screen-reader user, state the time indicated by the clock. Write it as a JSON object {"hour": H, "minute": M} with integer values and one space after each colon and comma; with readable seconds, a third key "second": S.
{"hour": 10, "minute": 33}
